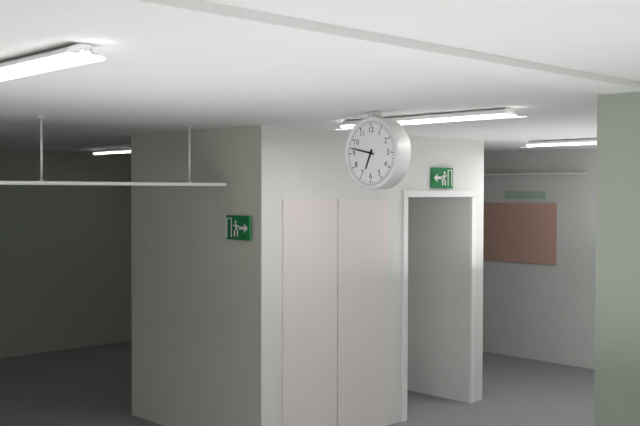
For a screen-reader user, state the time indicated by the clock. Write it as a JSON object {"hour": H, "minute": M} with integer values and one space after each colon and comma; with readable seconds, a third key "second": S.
{"hour": 6, "minute": 47}
